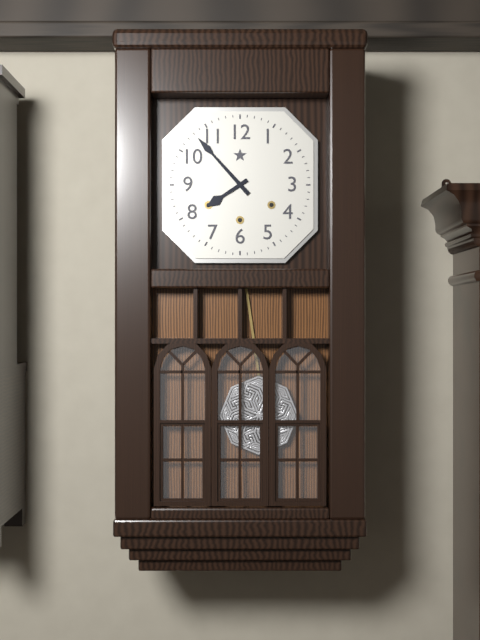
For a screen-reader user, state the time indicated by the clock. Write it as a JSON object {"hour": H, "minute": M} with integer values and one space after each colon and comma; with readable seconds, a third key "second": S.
{"hour": 7, "minute": 53}
